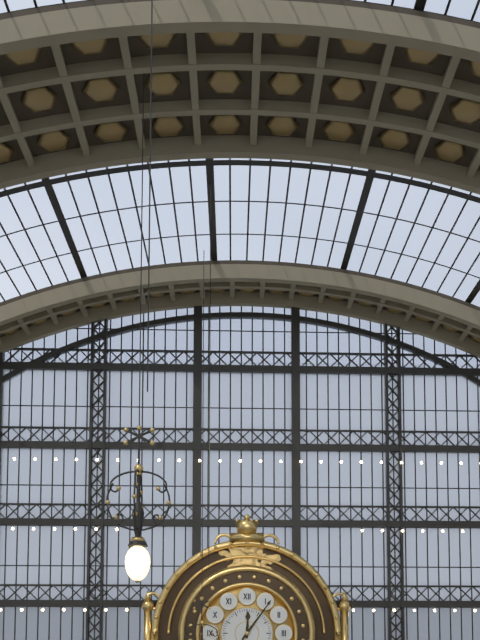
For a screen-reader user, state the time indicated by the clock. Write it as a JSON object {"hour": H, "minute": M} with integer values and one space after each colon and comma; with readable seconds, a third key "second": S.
{"hour": 12, "minute": 6}
